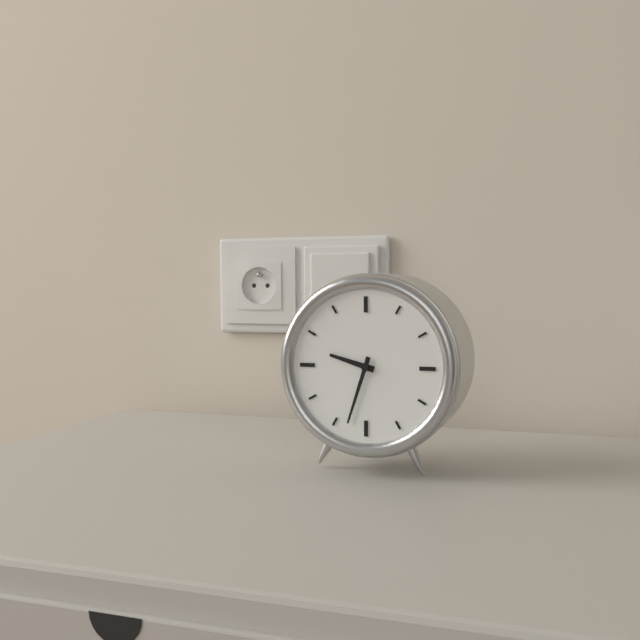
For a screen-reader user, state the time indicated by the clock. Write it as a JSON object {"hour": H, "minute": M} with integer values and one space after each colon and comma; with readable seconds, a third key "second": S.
{"hour": 9, "minute": 33}
